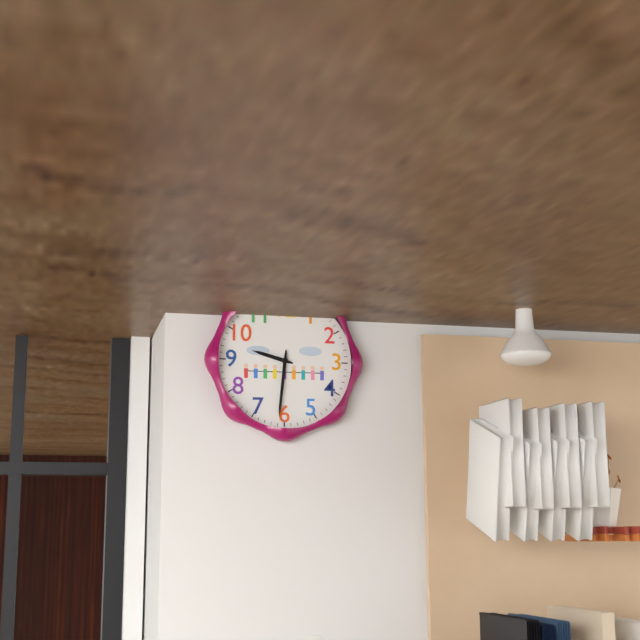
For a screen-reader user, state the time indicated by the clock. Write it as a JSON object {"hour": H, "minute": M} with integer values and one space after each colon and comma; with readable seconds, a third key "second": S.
{"hour": 9, "minute": 31}
